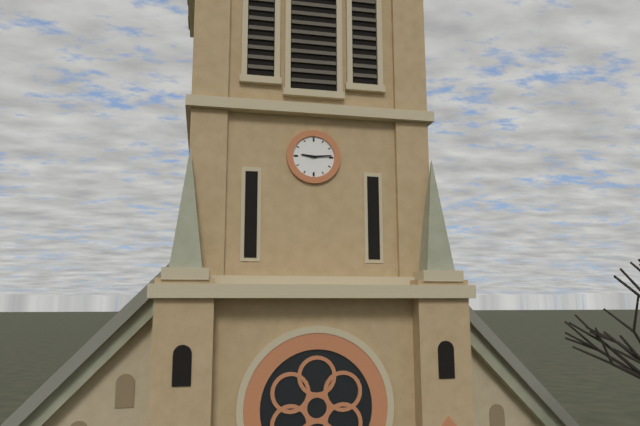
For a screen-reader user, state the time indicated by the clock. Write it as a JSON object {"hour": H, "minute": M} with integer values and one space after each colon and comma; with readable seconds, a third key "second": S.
{"hour": 9, "minute": 14}
